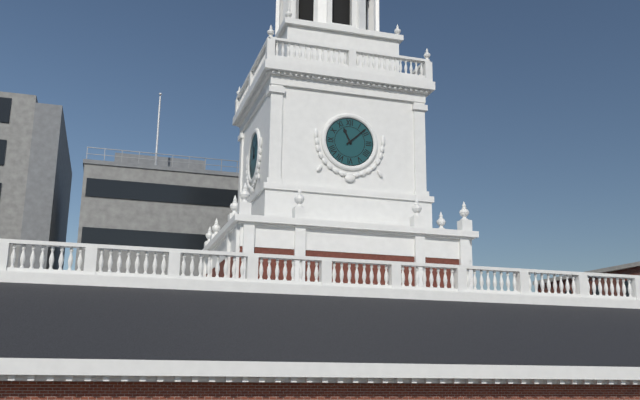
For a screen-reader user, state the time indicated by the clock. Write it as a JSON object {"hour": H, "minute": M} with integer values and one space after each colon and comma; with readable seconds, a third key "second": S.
{"hour": 11, "minute": 8}
